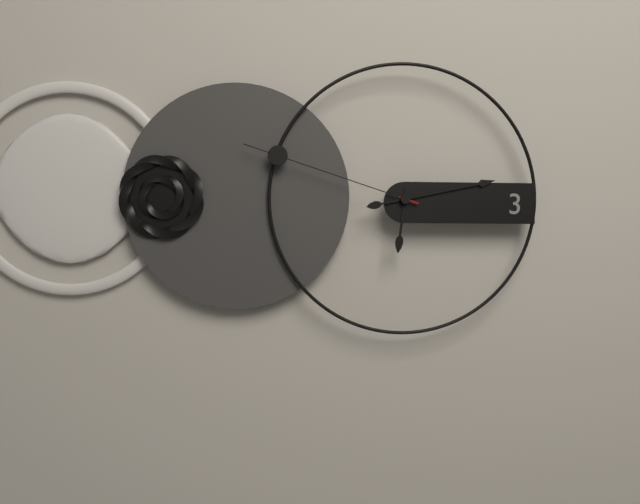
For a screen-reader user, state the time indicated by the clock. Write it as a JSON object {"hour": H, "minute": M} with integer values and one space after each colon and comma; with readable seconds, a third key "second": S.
{"hour": 6, "minute": 13, "second": 48}
